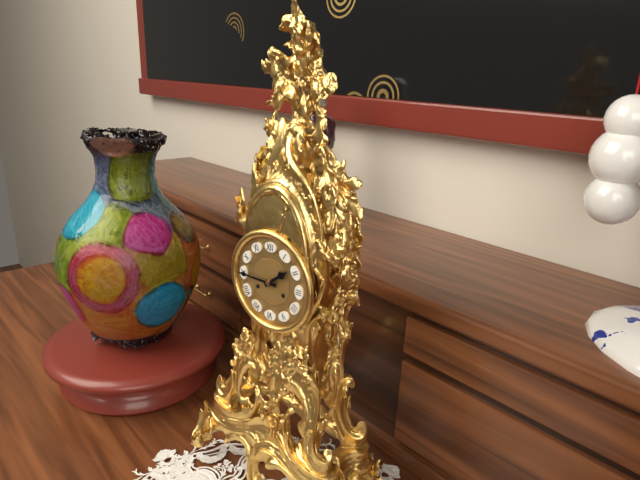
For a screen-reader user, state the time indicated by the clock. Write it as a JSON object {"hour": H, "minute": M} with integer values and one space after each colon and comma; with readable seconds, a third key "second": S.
{"hour": 1, "minute": 45}
